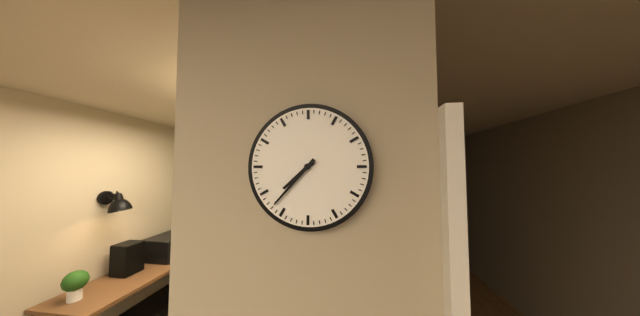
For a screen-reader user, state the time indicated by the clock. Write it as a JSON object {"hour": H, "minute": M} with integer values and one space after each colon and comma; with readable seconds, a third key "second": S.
{"hour": 7, "minute": 37}
